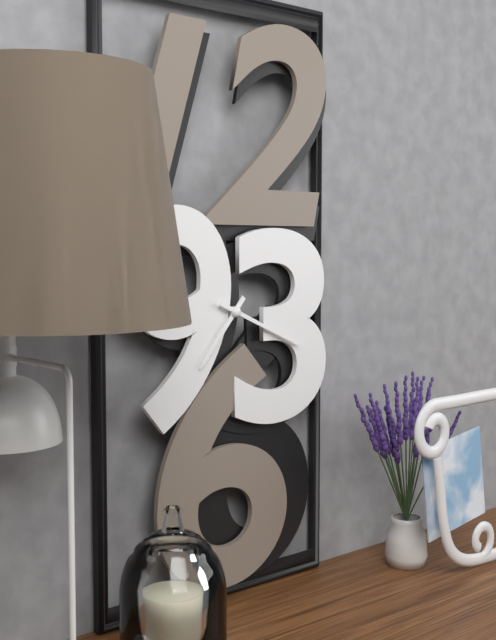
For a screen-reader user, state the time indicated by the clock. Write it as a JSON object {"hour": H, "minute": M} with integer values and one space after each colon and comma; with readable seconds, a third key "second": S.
{"hour": 7, "minute": 19}
